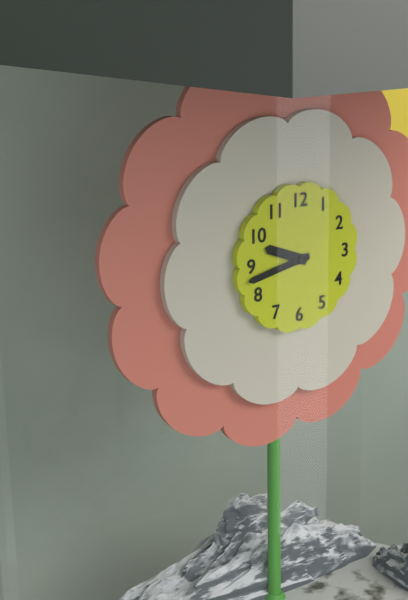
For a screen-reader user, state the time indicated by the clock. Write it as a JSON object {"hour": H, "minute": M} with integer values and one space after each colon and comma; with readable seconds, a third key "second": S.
{"hour": 9, "minute": 43}
